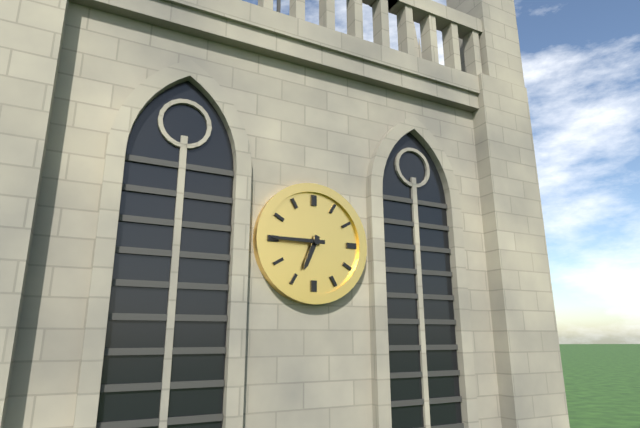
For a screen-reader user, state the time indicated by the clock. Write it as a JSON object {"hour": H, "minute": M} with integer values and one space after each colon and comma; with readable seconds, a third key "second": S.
{"hour": 6, "minute": 45}
